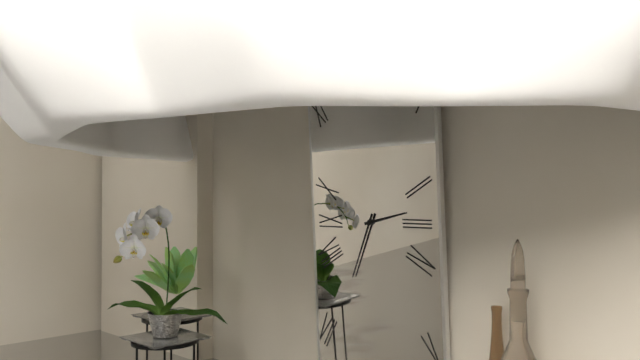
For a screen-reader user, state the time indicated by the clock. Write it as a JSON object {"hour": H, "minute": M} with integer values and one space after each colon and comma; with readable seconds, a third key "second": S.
{"hour": 2, "minute": 34}
